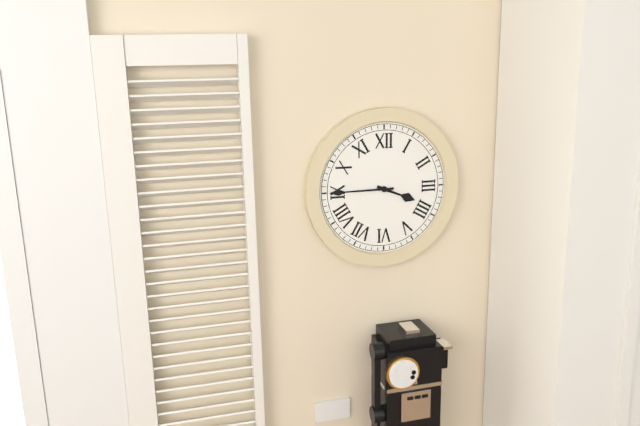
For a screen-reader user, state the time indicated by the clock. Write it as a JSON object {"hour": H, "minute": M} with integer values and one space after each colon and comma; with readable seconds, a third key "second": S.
{"hour": 3, "minute": 45}
